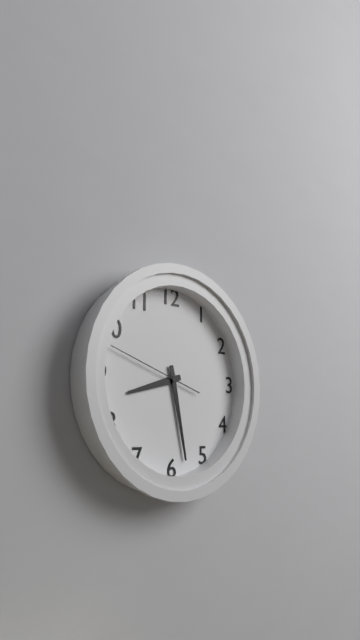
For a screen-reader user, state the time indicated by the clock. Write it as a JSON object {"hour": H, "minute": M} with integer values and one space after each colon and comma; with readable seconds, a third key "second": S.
{"hour": 8, "minute": 28, "second": 48}
